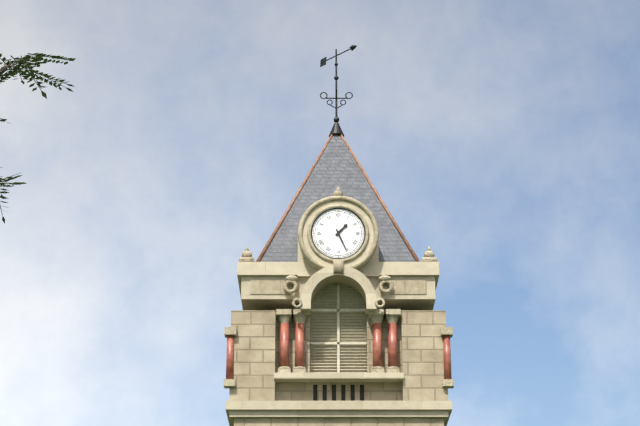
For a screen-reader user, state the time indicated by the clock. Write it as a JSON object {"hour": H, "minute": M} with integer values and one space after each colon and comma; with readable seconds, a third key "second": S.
{"hour": 1, "minute": 26}
